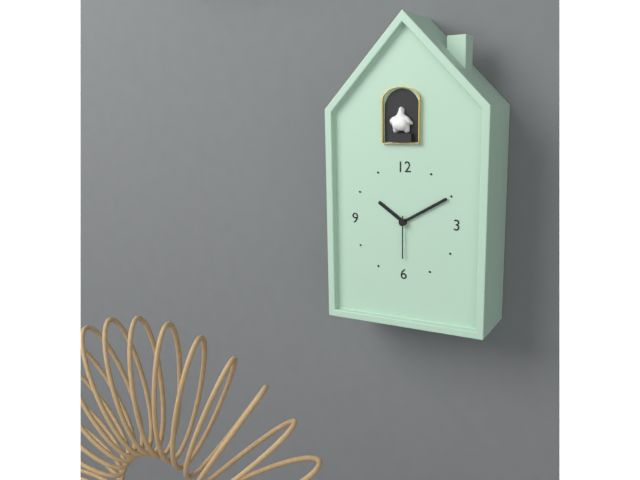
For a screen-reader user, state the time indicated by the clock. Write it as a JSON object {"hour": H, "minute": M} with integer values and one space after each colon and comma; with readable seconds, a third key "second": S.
{"hour": 10, "minute": 10}
